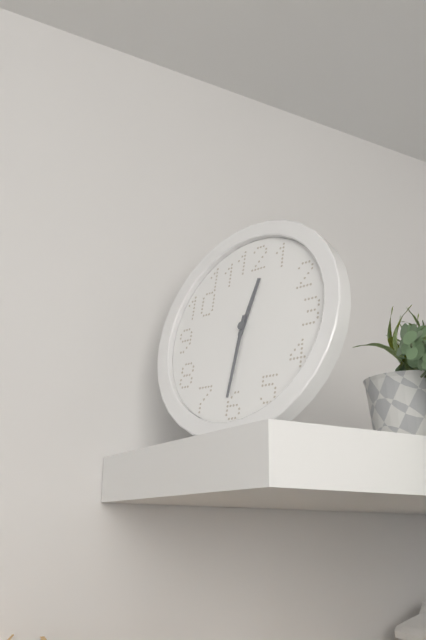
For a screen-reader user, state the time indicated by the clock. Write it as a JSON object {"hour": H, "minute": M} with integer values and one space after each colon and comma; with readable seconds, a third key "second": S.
{"hour": 12, "minute": 31}
